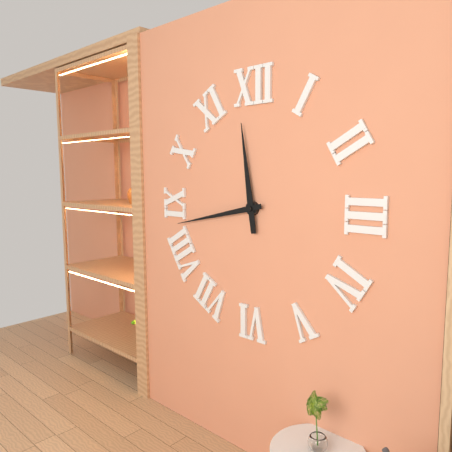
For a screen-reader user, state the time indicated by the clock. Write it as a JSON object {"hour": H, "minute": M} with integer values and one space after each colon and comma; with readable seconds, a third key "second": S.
{"hour": 11, "minute": 43}
